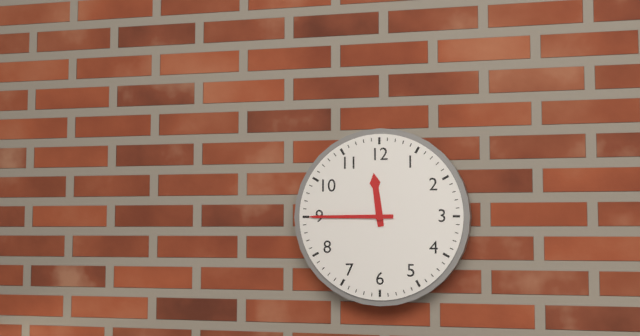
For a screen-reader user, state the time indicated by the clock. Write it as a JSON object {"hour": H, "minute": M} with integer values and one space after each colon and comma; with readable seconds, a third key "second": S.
{"hour": 11, "minute": 45}
